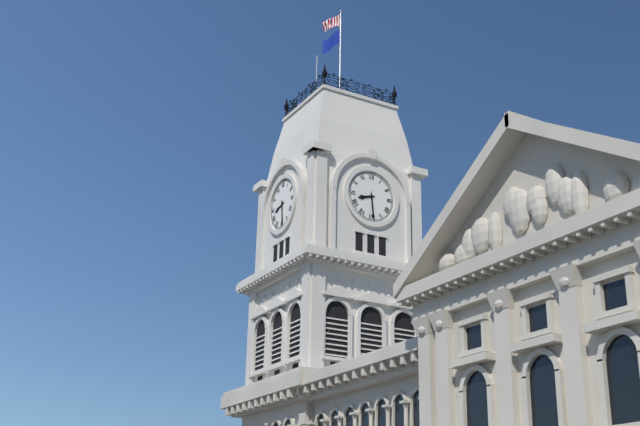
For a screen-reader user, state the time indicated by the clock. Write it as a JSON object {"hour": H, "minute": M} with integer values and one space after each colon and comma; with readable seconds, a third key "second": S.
{"hour": 8, "minute": 29}
